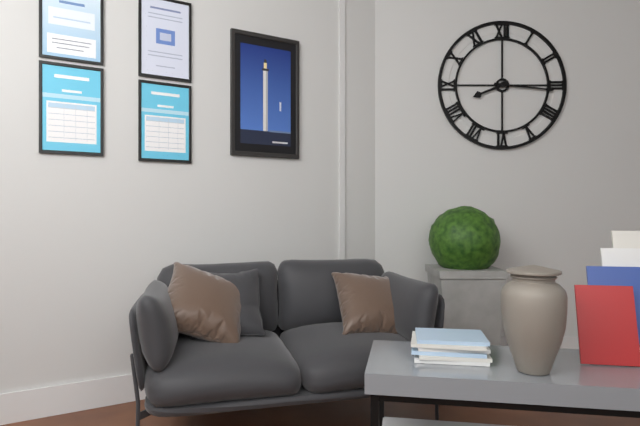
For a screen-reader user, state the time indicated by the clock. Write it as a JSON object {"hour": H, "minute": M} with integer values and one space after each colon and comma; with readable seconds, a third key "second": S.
{"hour": 8, "minute": 16}
